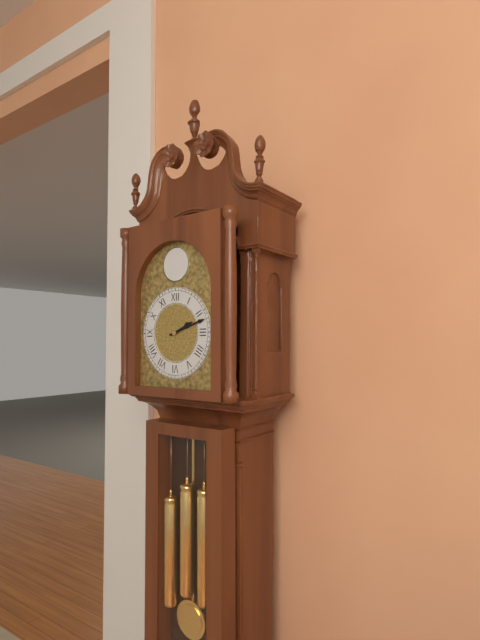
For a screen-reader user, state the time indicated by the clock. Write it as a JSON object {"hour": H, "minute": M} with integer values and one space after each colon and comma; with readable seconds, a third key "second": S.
{"hour": 2, "minute": 12}
